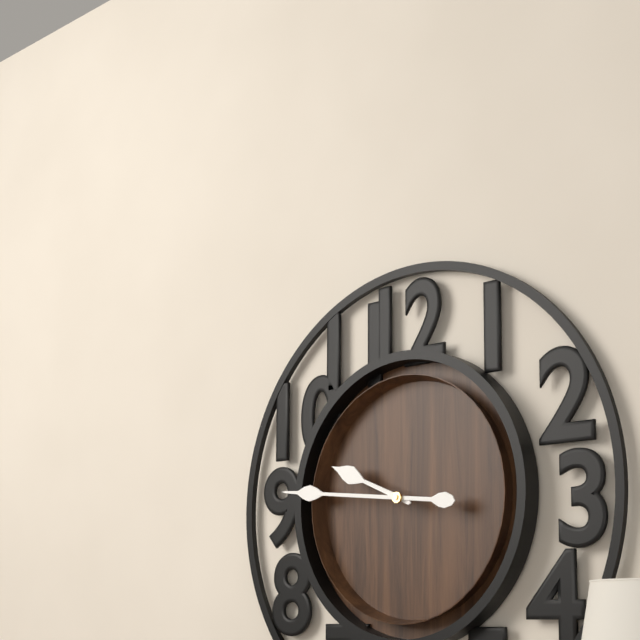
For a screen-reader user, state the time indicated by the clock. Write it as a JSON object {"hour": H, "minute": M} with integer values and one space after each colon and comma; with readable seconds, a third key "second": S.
{"hour": 9, "minute": 46}
